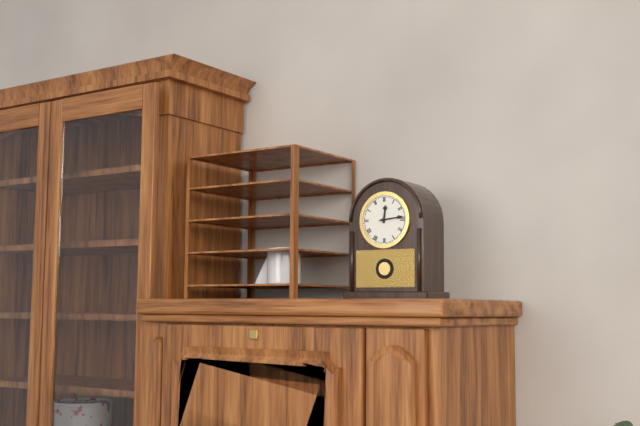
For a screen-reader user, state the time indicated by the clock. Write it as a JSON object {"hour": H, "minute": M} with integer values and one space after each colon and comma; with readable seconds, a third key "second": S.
{"hour": 12, "minute": 14}
